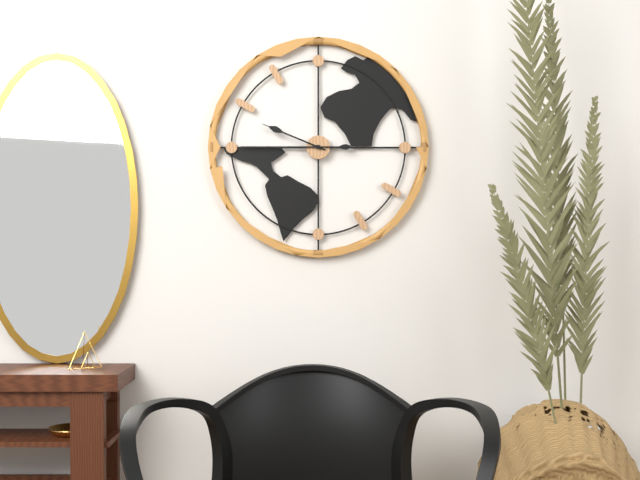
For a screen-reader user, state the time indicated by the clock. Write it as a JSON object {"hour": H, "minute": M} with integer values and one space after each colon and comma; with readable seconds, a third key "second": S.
{"hour": 9, "minute": 45}
